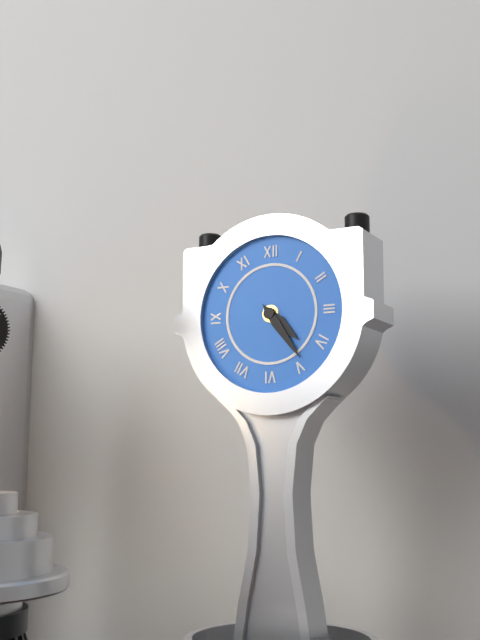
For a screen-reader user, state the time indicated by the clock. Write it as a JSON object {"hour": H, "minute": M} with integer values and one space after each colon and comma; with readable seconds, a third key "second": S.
{"hour": 4, "minute": 24}
